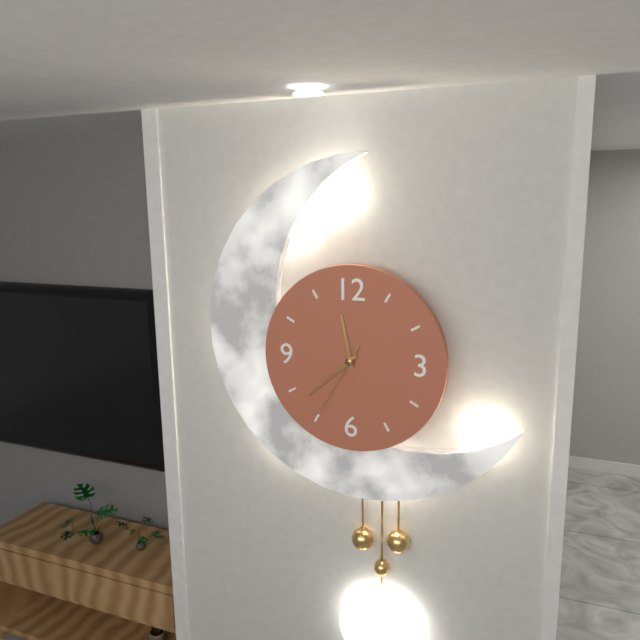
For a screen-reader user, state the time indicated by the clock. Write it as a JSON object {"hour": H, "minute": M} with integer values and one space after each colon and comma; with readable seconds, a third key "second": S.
{"hour": 11, "minute": 38, "second": 35}
